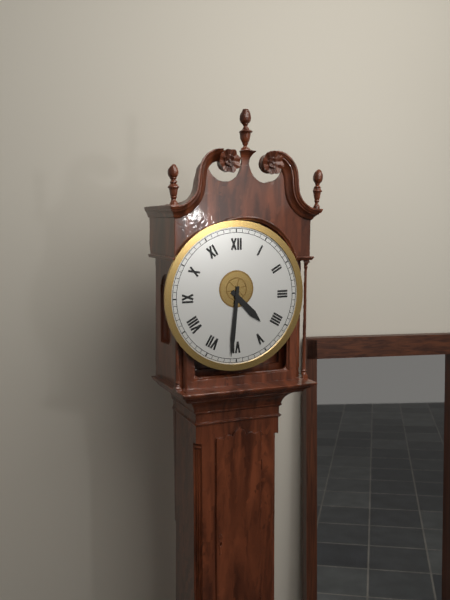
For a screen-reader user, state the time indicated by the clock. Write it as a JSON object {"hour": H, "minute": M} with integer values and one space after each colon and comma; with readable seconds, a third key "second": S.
{"hour": 4, "minute": 31}
